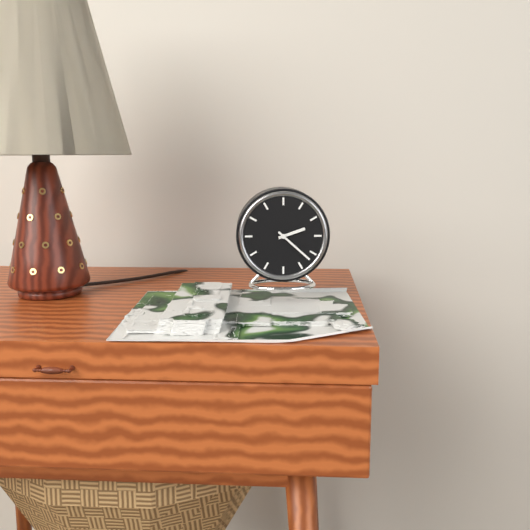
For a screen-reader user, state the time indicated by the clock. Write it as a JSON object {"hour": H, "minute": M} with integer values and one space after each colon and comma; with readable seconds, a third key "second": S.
{"hour": 2, "minute": 22}
